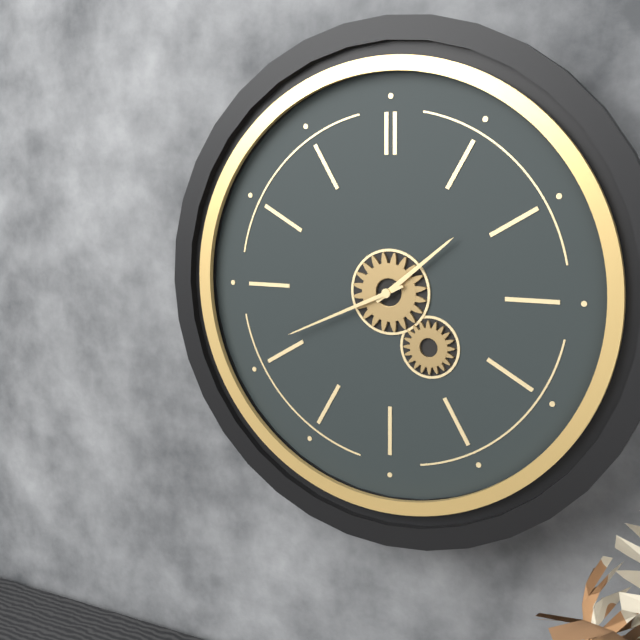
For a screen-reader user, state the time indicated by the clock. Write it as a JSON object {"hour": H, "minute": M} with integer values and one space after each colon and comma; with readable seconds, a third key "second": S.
{"hour": 1, "minute": 41}
